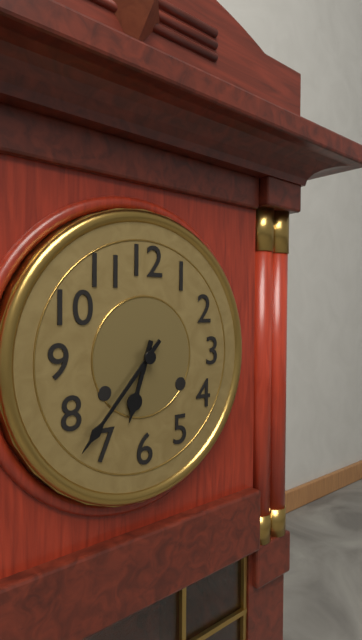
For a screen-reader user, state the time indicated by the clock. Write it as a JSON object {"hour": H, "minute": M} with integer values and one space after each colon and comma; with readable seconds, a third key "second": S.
{"hour": 6, "minute": 37}
